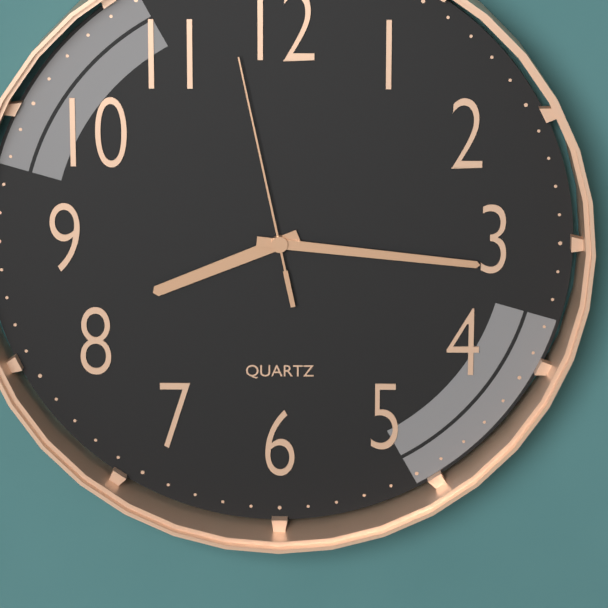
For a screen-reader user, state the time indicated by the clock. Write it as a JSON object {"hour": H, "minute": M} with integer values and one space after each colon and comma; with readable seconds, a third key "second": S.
{"hour": 8, "minute": 16, "second": 58}
